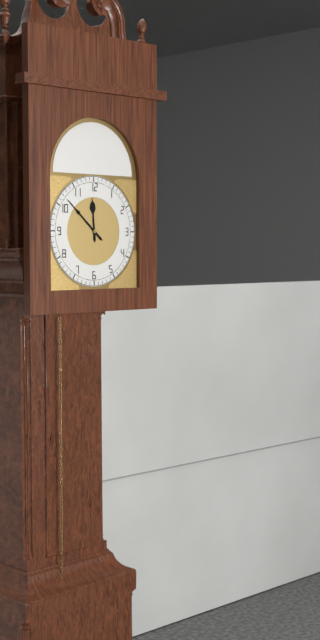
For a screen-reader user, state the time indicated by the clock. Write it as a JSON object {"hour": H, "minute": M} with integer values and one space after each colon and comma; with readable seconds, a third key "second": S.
{"hour": 11, "minute": 52}
